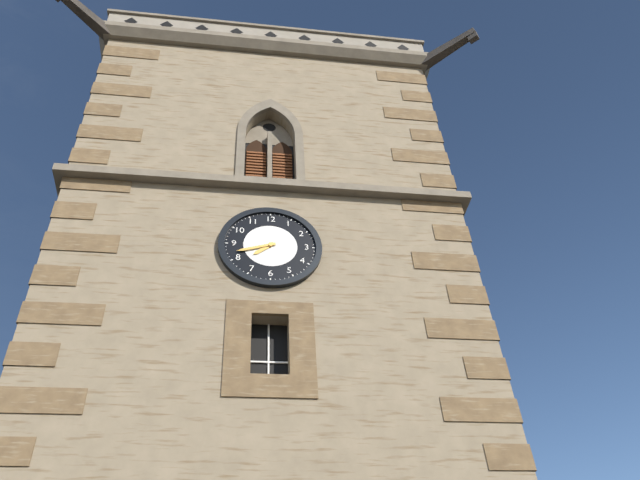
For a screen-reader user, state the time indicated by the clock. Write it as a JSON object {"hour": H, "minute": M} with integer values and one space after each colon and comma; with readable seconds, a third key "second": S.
{"hour": 7, "minute": 42}
